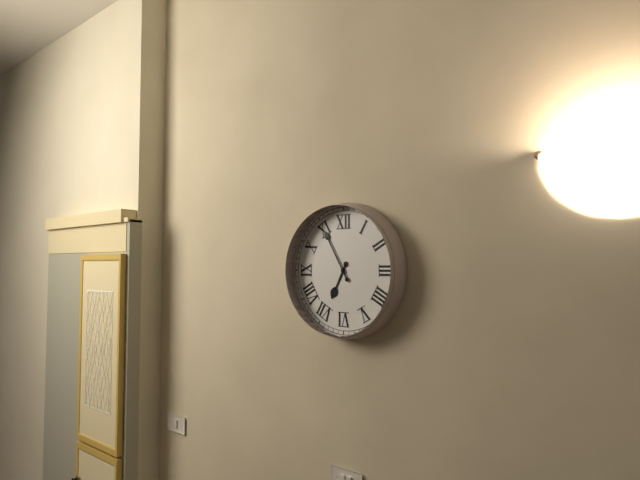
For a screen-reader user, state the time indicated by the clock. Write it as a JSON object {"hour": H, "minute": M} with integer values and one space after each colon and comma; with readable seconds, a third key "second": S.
{"hour": 6, "minute": 55}
